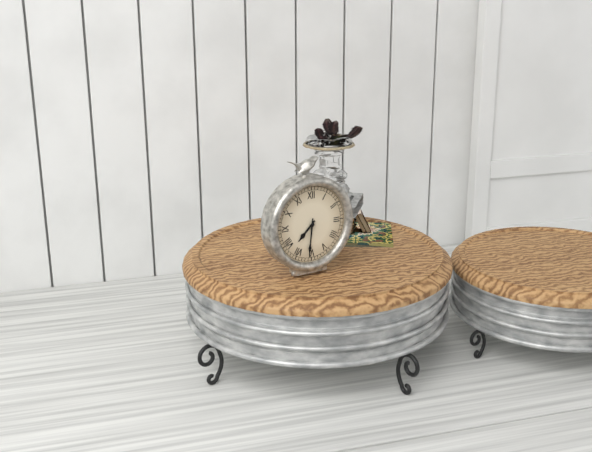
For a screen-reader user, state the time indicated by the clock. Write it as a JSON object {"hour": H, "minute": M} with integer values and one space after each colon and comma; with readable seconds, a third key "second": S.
{"hour": 7, "minute": 31}
